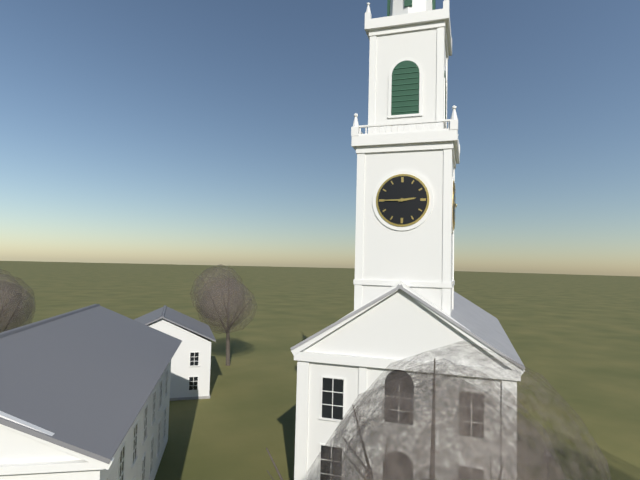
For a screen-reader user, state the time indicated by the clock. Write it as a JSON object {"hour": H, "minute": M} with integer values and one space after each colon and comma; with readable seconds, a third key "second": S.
{"hour": 2, "minute": 45}
